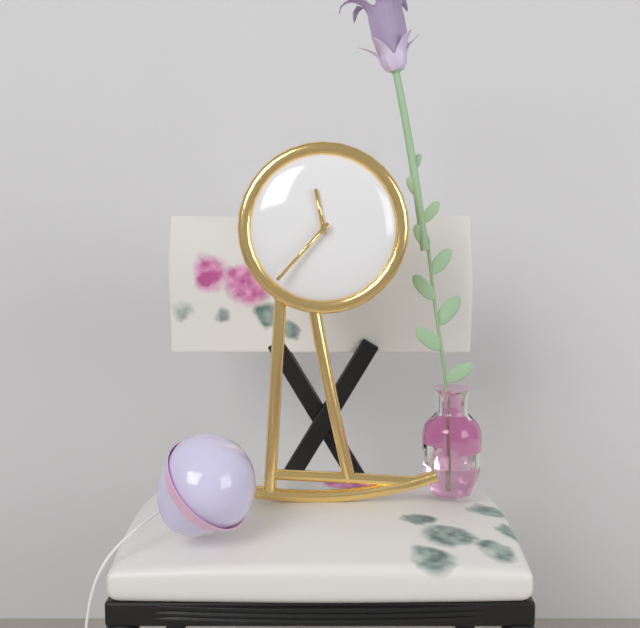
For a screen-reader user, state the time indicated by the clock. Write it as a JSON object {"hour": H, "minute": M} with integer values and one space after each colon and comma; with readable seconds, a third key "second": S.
{"hour": 11, "minute": 37}
